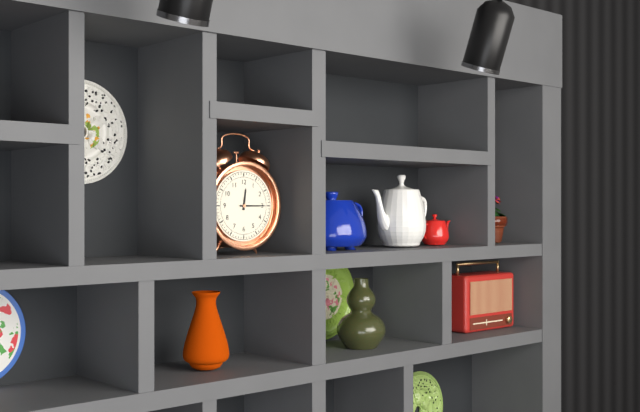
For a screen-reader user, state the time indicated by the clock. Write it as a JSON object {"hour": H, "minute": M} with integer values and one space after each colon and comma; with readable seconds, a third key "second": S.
{"hour": 12, "minute": 15}
